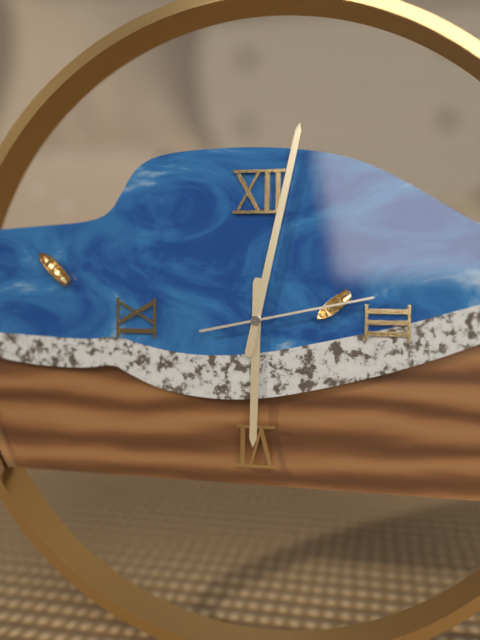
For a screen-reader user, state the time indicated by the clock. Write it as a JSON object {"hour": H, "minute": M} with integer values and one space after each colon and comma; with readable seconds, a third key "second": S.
{"hour": 6, "minute": 2, "second": 13}
